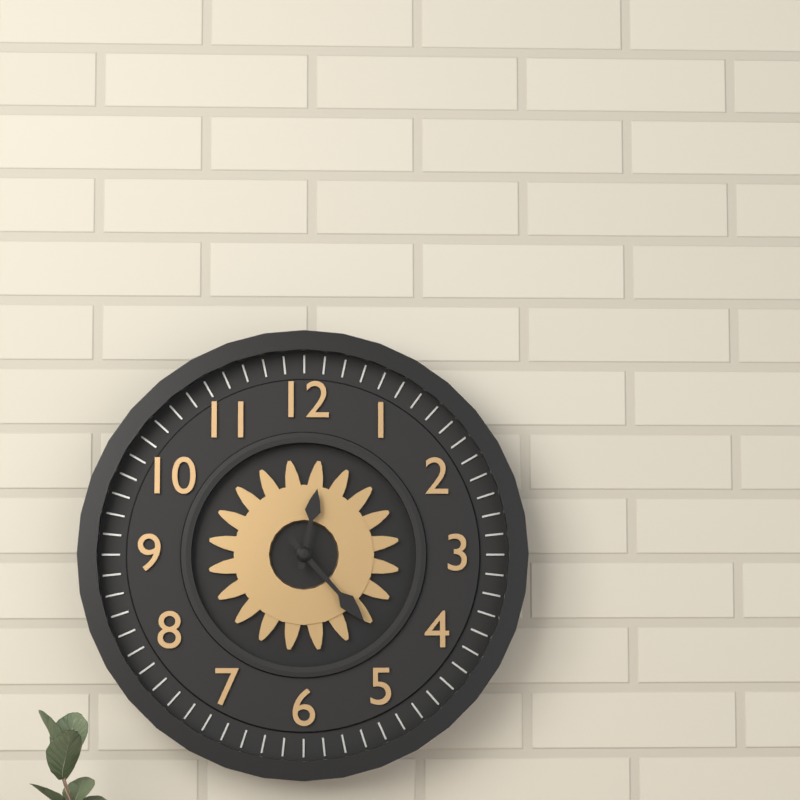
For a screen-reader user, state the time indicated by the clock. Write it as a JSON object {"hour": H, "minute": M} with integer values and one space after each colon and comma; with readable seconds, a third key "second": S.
{"hour": 12, "minute": 23}
